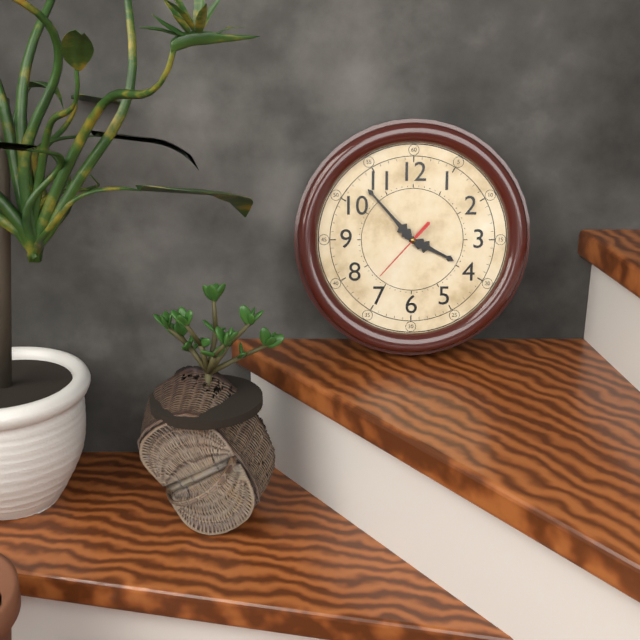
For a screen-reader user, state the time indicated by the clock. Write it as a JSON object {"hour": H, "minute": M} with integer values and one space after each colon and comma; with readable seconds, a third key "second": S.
{"hour": 3, "minute": 53, "second": 37}
